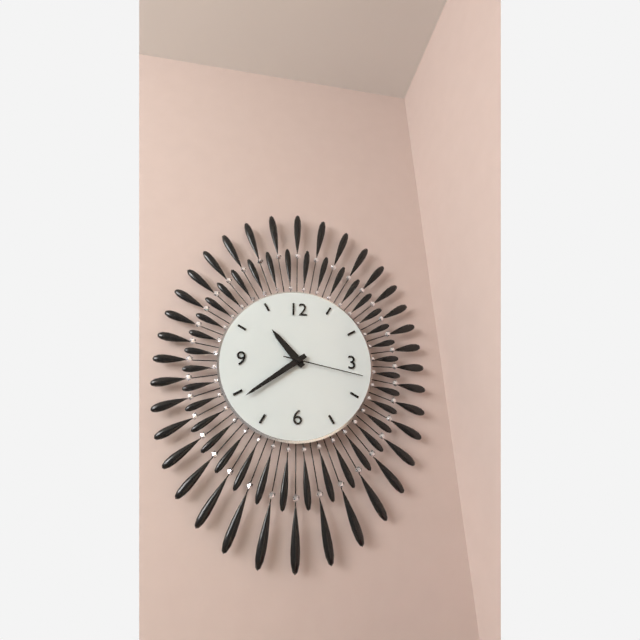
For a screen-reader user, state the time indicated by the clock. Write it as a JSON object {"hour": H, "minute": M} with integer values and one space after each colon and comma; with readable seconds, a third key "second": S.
{"hour": 10, "minute": 39, "second": 17}
